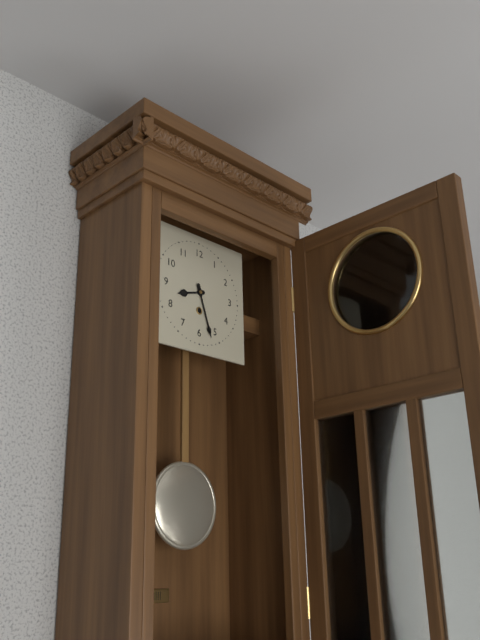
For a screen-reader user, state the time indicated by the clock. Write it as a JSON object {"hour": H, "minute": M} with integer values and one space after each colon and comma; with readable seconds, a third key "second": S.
{"hour": 8, "minute": 27}
